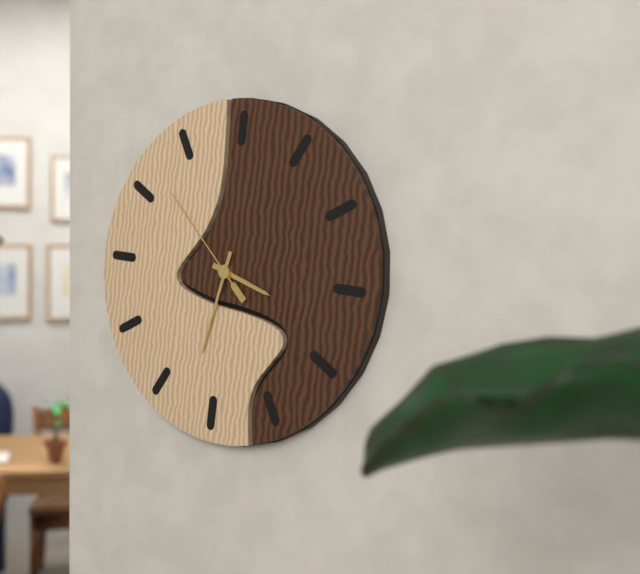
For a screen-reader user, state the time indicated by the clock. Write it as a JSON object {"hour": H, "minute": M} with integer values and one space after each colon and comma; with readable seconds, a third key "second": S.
{"hour": 3, "minute": 32, "second": 52}
